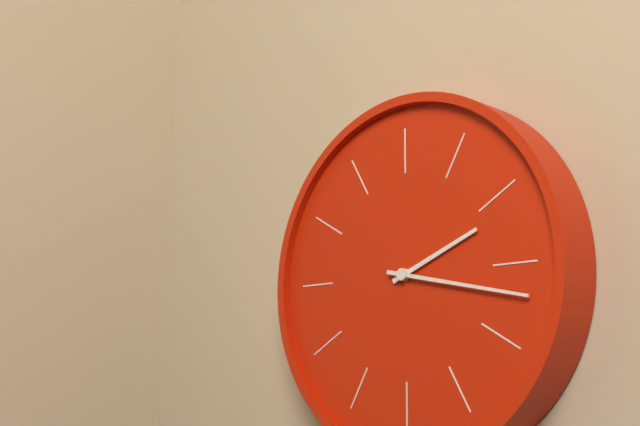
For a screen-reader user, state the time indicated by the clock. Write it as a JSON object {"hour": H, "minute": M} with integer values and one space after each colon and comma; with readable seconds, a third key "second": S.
{"hour": 2, "minute": 17}
